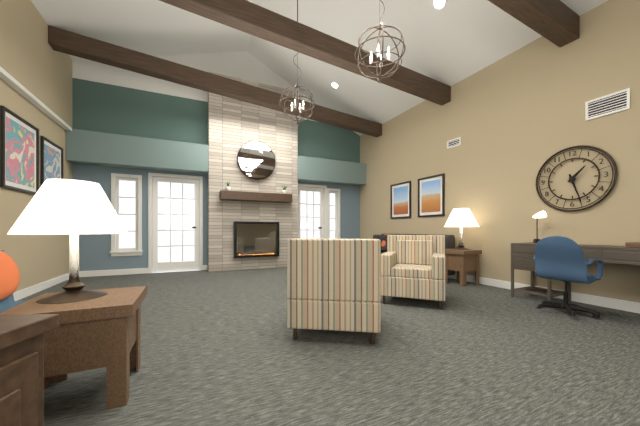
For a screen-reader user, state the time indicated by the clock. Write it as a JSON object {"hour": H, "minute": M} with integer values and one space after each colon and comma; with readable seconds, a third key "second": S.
{"hour": 1, "minute": 27}
